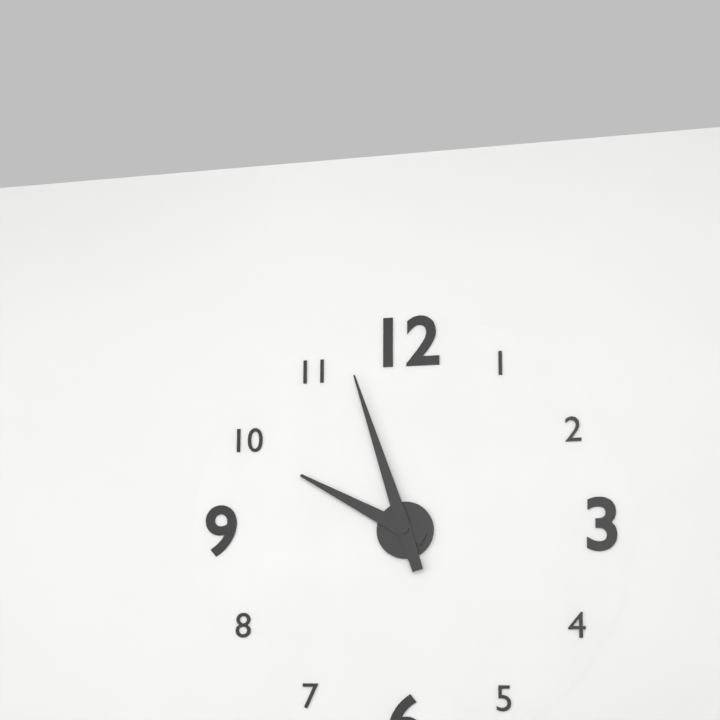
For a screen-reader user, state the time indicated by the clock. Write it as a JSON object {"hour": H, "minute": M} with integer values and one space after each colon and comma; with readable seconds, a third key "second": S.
{"hour": 9, "minute": 57}
